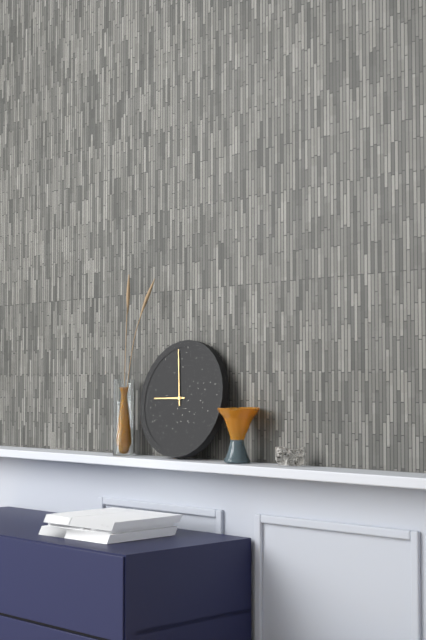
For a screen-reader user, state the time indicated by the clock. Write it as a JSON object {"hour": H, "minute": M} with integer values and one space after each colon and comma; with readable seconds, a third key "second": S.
{"hour": 8, "minute": 58}
